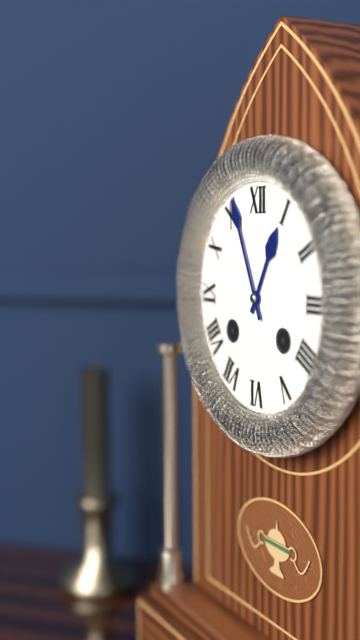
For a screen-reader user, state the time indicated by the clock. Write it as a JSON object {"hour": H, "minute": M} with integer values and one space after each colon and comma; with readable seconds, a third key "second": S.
{"hour": 12, "minute": 56}
